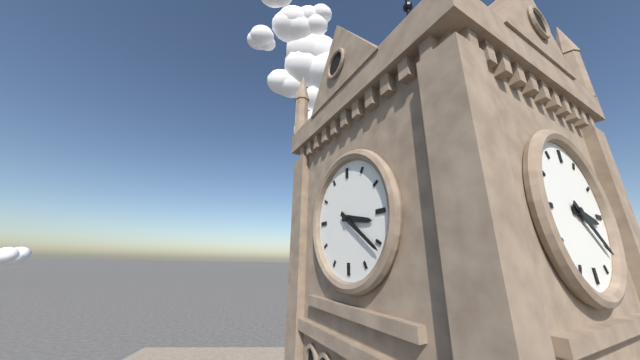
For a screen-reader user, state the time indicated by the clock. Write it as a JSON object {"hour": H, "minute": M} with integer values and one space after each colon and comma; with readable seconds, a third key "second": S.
{"hour": 3, "minute": 21}
